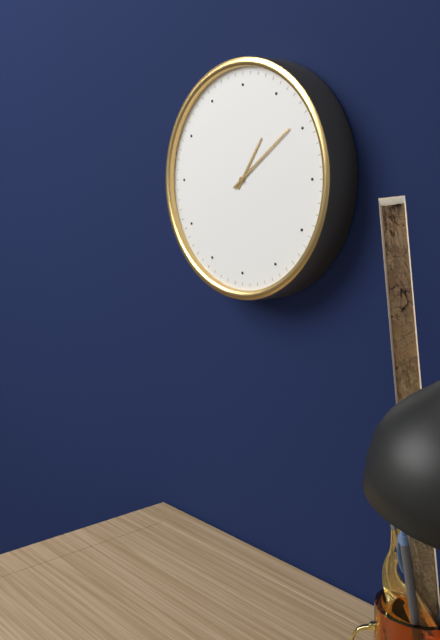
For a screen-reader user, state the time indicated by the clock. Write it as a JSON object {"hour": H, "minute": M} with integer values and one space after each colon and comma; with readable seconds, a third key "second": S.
{"hour": 1, "minute": 9}
